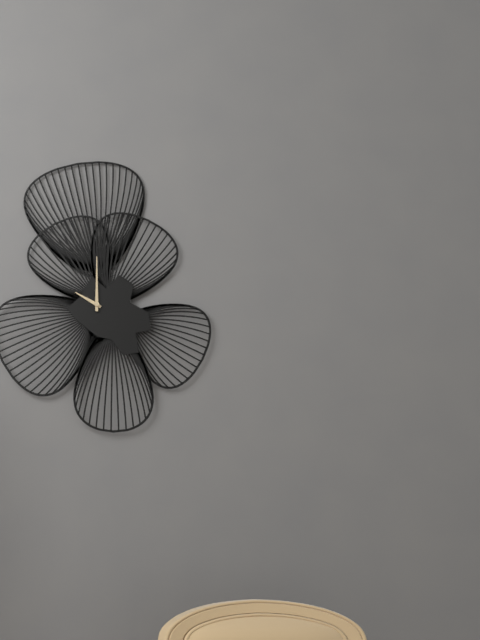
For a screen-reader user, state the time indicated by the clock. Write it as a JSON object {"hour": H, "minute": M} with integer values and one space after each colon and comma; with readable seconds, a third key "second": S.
{"hour": 10, "minute": 0}
